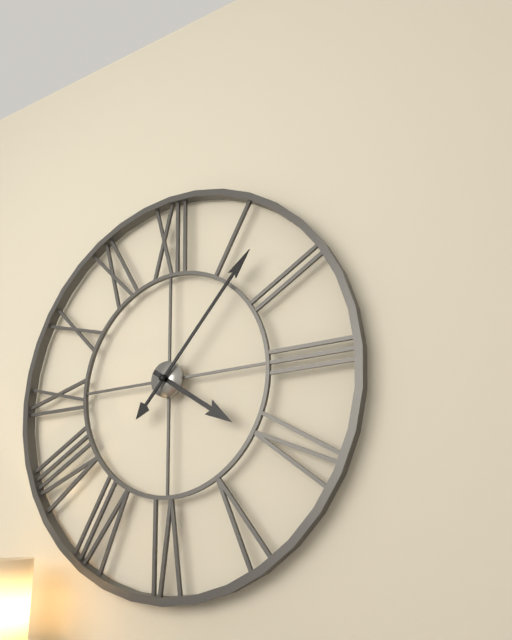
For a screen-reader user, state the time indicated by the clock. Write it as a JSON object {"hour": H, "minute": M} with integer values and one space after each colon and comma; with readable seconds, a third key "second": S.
{"hour": 4, "minute": 7}
